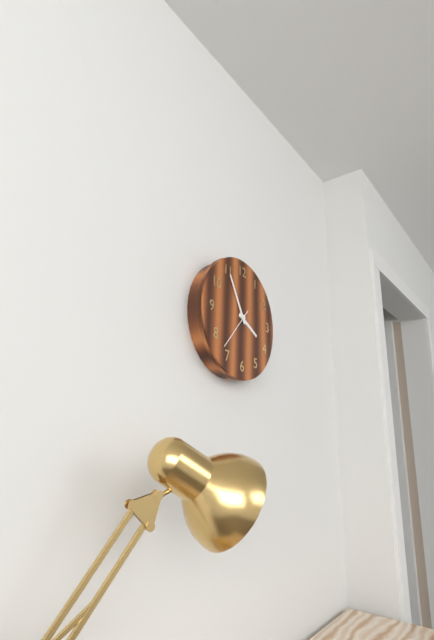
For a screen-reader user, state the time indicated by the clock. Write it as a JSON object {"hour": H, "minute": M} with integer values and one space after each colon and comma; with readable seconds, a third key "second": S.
{"hour": 3, "minute": 55}
